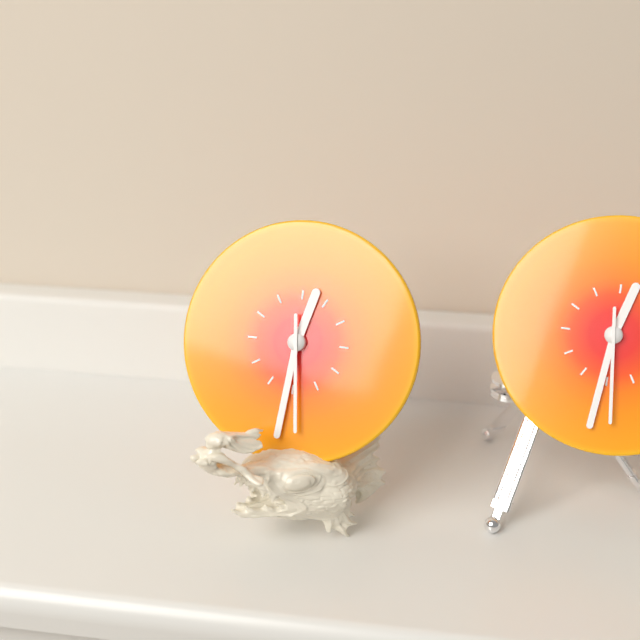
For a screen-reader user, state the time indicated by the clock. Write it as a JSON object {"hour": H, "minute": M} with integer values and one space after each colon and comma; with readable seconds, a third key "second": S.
{"hour": 12, "minute": 31, "second": 29}
